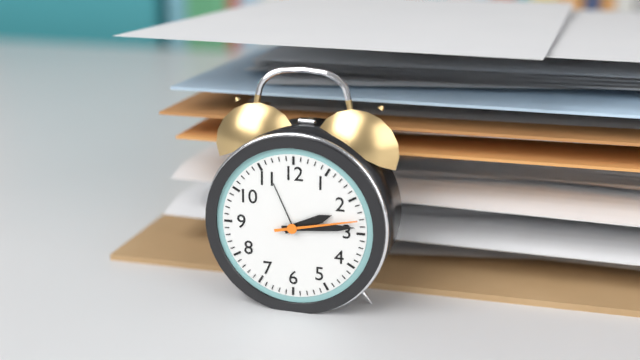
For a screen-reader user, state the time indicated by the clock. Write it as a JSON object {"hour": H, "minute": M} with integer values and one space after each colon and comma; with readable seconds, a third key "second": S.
{"hour": 2, "minute": 14, "second": 13}
